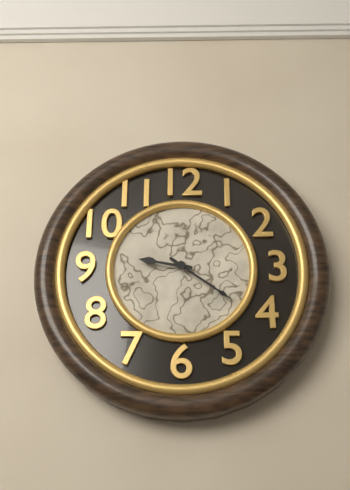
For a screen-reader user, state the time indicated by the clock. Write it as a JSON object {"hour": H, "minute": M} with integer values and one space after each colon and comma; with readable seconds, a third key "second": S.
{"hour": 9, "minute": 21}
